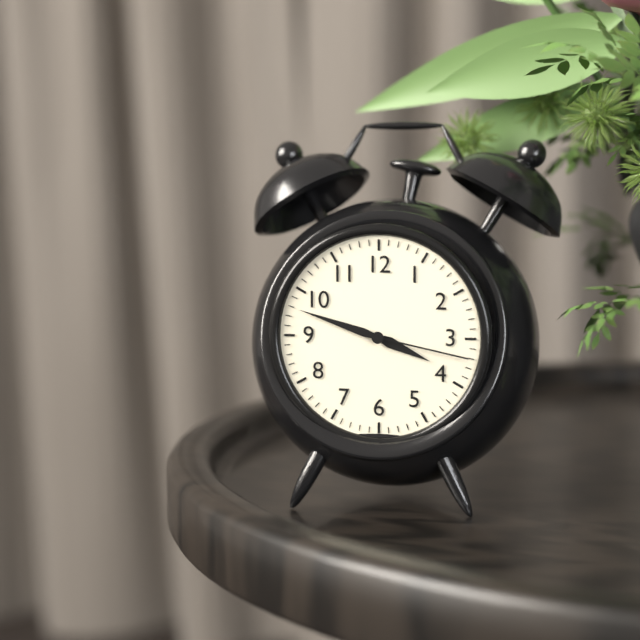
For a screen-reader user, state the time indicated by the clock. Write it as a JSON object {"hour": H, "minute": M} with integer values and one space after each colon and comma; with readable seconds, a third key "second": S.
{"hour": 3, "minute": 48, "second": 17}
